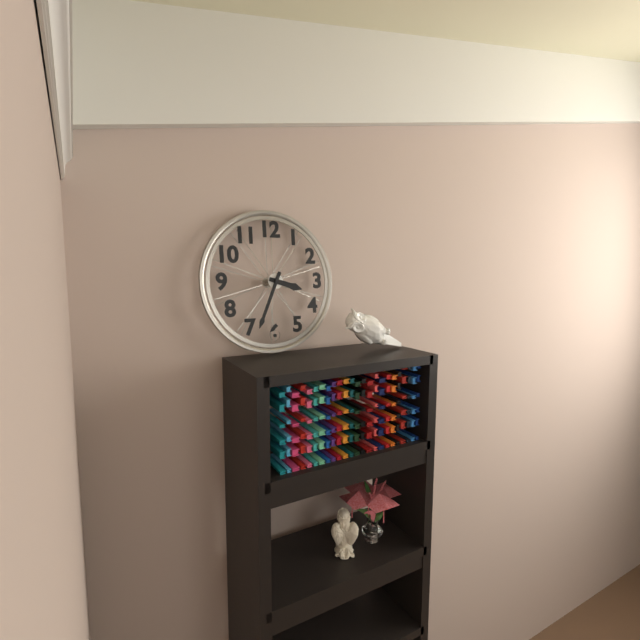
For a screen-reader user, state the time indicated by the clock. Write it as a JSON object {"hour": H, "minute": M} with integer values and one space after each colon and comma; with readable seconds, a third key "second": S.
{"hour": 3, "minute": 34}
